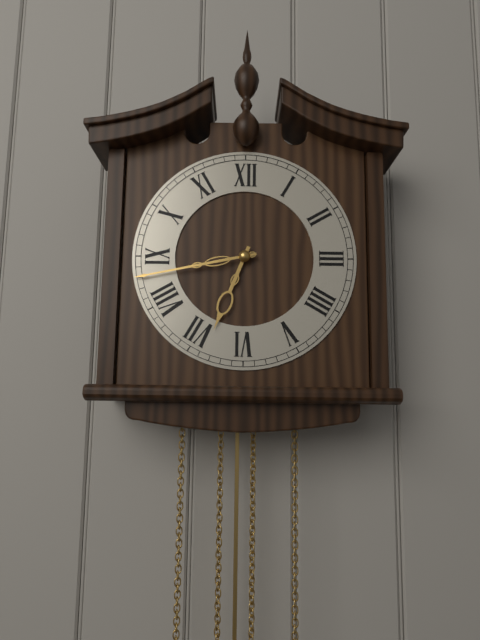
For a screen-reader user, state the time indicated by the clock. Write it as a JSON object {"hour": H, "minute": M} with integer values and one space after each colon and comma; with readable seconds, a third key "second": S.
{"hour": 6, "minute": 43}
